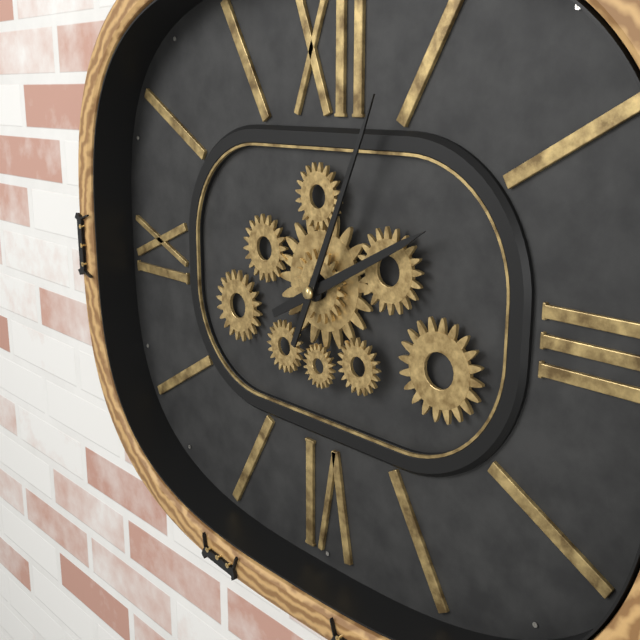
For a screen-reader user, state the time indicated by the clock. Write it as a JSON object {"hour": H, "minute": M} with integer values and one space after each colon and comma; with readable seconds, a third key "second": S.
{"hour": 2, "minute": 4}
